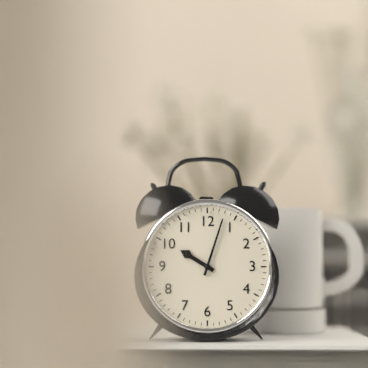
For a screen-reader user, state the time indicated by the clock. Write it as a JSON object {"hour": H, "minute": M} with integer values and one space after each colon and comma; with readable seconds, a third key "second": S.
{"hour": 10, "minute": 3}
